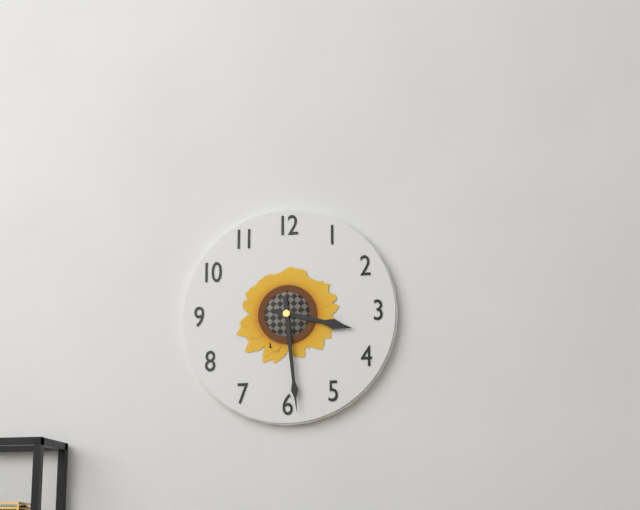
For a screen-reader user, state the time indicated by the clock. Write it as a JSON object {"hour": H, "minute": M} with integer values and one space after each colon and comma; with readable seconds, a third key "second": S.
{"hour": 3, "minute": 29}
